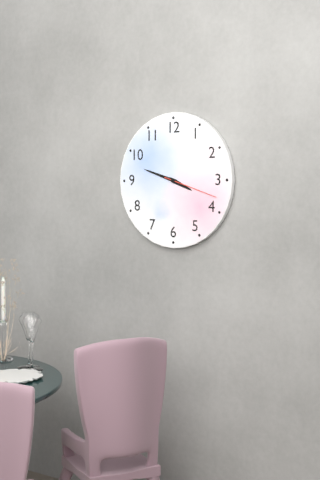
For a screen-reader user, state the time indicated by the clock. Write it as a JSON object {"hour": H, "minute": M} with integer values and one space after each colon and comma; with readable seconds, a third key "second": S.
{"hour": 3, "minute": 48, "second": 18}
